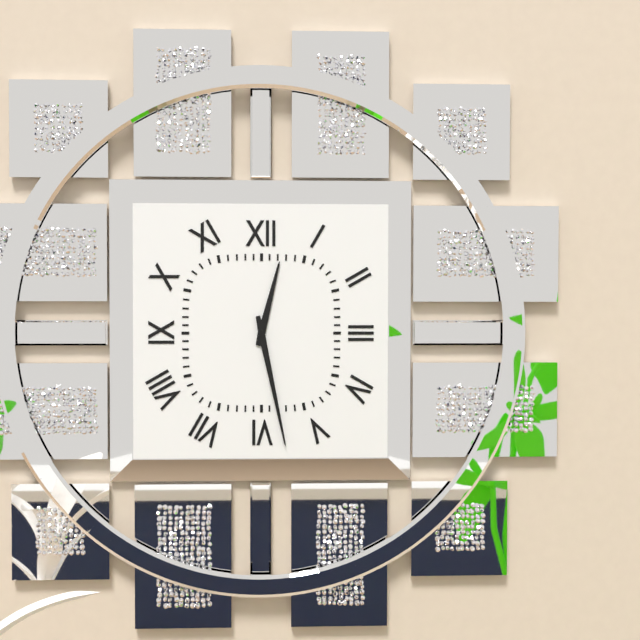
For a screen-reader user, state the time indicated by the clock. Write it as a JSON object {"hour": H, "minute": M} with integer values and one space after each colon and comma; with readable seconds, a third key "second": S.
{"hour": 12, "minute": 28}
